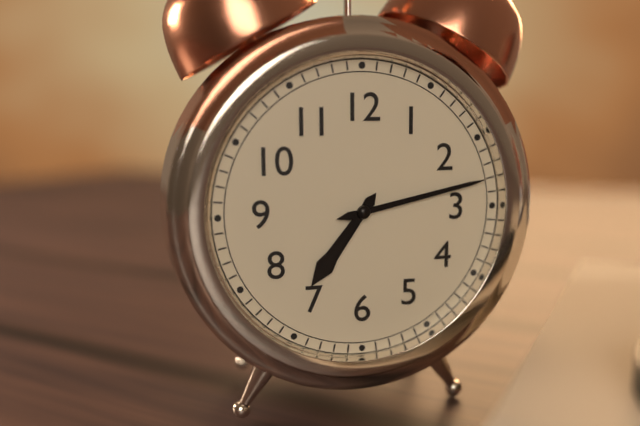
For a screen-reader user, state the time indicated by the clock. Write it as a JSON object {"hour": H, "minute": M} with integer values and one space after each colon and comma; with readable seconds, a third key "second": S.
{"hour": 7, "minute": 13}
